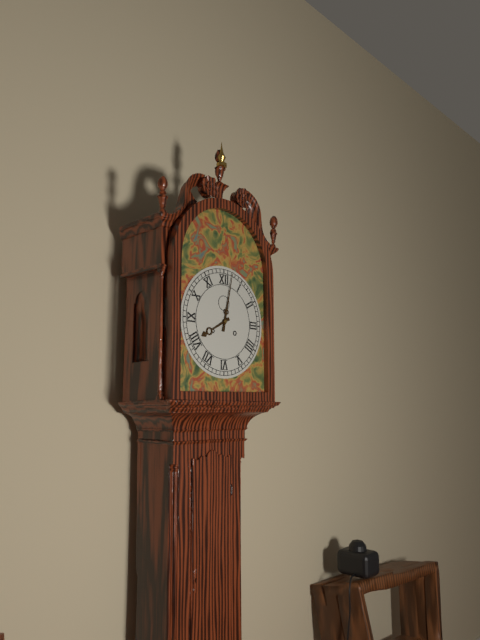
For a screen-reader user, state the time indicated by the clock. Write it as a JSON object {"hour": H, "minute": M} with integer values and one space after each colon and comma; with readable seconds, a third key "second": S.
{"hour": 8, "minute": 2}
